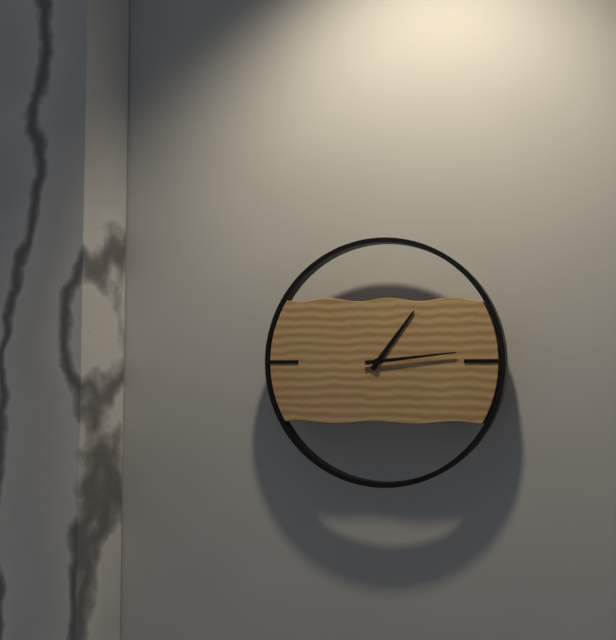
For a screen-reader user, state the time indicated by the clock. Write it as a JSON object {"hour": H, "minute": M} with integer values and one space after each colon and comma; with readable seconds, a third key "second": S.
{"hour": 1, "minute": 14}
